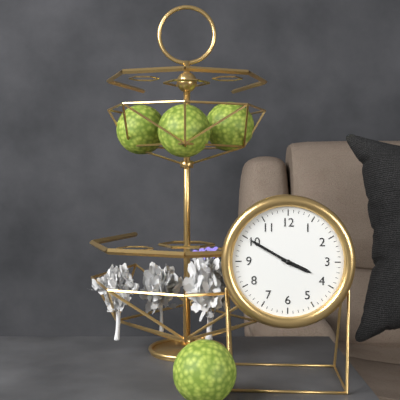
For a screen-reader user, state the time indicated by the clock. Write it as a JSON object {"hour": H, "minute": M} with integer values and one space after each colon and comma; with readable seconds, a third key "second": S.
{"hour": 3, "minute": 50}
